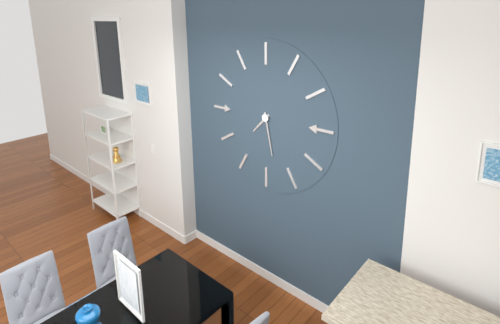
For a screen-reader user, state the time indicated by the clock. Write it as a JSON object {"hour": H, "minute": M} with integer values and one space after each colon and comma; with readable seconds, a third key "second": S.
{"hour": 7, "minute": 28}
